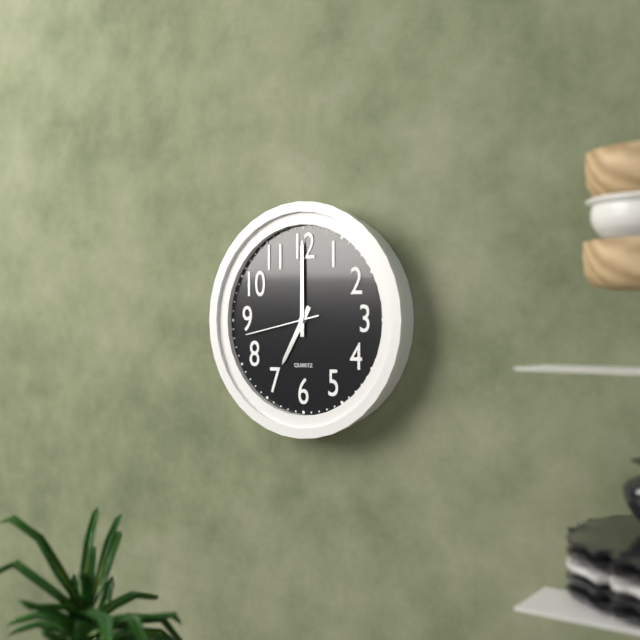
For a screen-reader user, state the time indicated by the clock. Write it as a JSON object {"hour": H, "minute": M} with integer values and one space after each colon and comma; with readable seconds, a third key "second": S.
{"hour": 7, "minute": 0, "second": 43}
